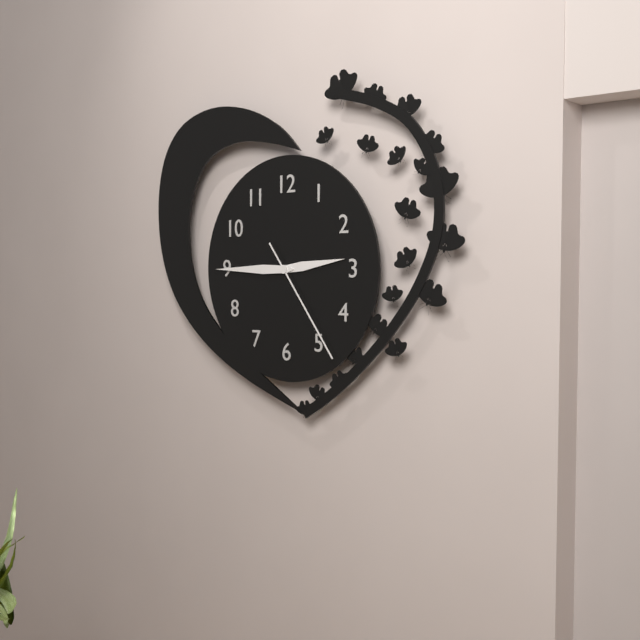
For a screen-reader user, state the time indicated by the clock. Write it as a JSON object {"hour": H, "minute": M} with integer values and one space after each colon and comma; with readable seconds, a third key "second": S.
{"hour": 2, "minute": 45, "second": 24}
